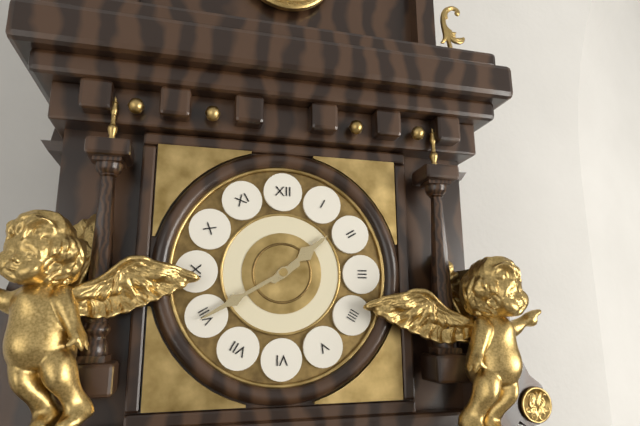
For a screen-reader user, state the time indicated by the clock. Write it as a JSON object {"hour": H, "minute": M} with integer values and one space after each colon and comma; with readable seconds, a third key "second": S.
{"hour": 1, "minute": 40}
